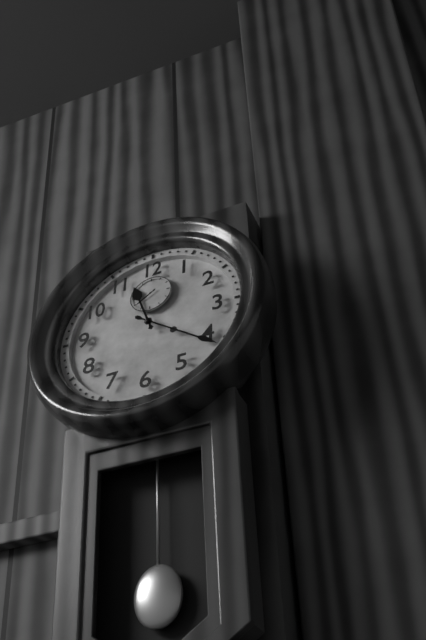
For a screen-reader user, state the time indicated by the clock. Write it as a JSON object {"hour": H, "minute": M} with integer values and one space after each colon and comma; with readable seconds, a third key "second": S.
{"hour": 11, "minute": 21}
